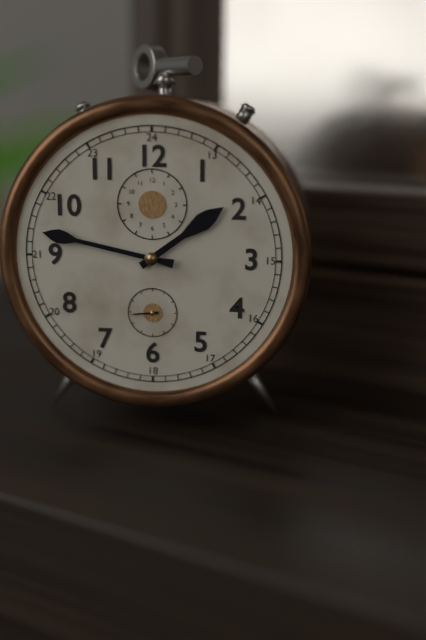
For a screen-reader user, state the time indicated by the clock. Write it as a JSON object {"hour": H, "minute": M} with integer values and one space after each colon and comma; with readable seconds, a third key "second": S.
{"hour": 1, "minute": 47}
